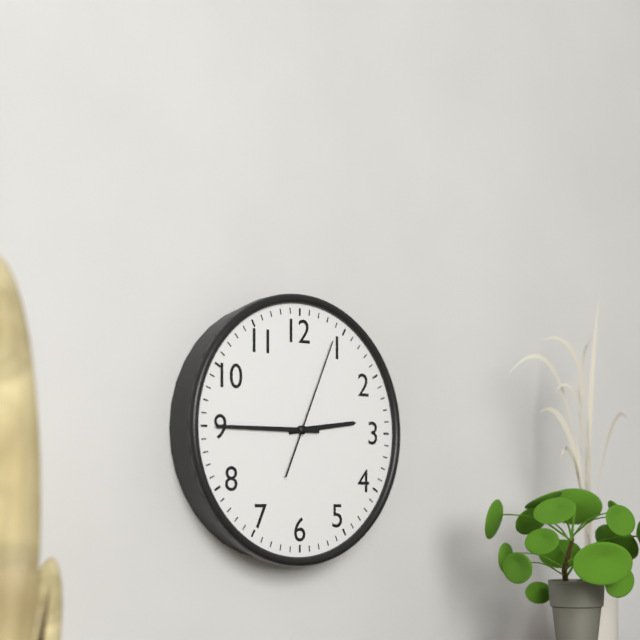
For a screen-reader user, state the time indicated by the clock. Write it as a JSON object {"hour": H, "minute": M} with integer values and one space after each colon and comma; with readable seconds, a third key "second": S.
{"hour": 2, "minute": 45, "second": 4}
